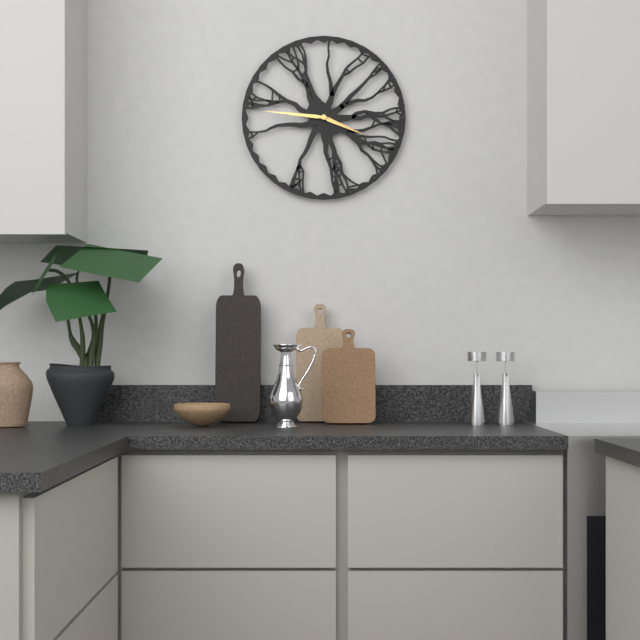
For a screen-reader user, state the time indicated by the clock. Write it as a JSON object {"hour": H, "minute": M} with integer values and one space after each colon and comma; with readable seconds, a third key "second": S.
{"hour": 3, "minute": 46}
